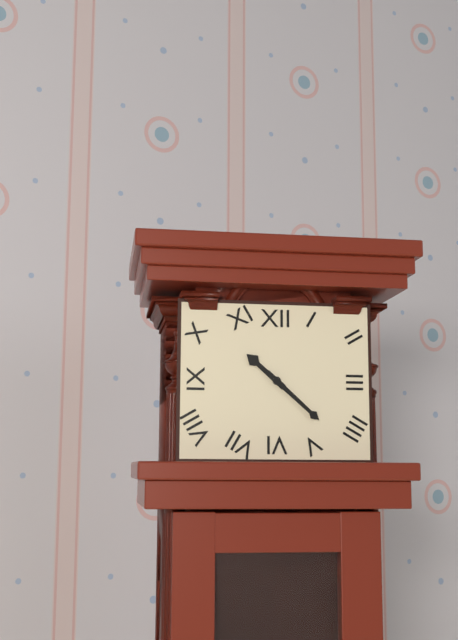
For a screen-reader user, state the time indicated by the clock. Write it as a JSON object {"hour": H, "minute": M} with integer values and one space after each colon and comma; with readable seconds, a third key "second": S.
{"hour": 10, "minute": 22}
